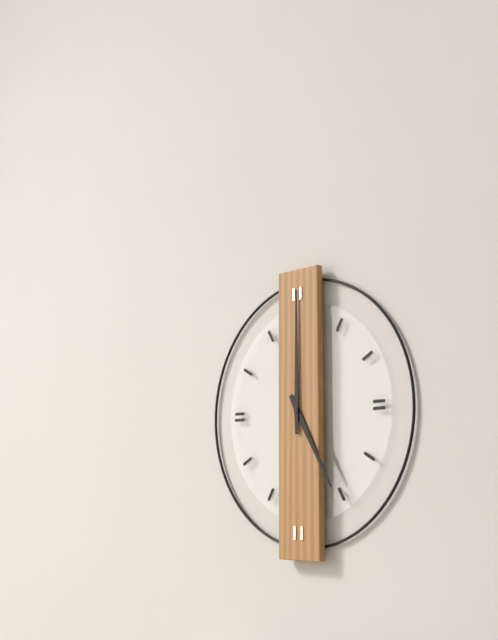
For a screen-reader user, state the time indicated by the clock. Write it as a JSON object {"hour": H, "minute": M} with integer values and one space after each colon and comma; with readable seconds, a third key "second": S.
{"hour": 5, "minute": 0}
